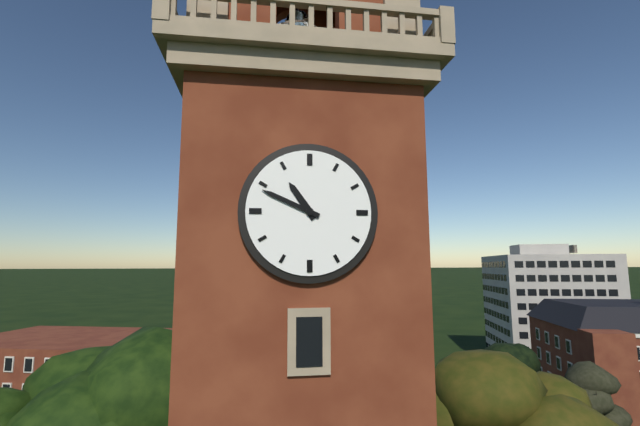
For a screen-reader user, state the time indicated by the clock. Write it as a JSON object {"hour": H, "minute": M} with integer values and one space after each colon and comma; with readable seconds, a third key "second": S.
{"hour": 10, "minute": 49}
